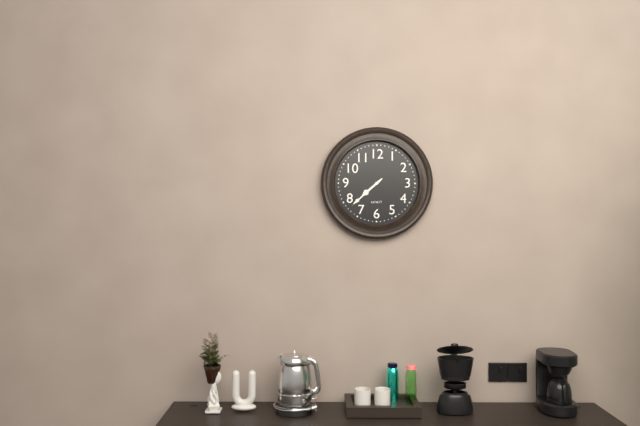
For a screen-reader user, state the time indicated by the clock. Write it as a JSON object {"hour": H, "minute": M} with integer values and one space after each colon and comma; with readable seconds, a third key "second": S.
{"hour": 7, "minute": 38}
